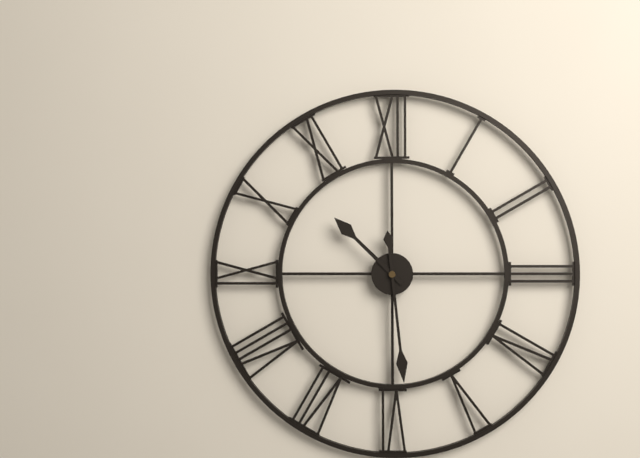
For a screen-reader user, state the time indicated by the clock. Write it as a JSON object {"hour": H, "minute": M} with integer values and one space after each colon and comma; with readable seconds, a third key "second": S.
{"hour": 10, "minute": 29}
